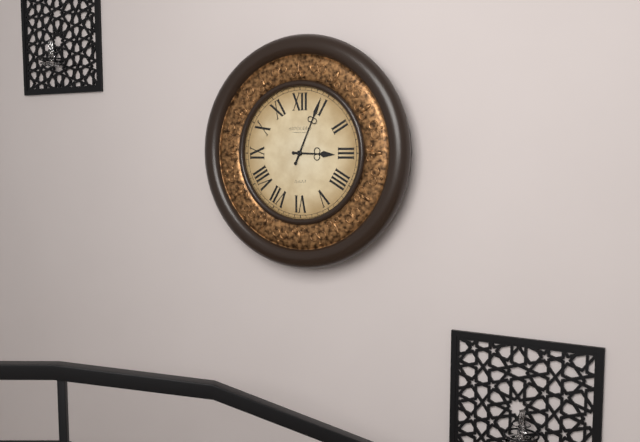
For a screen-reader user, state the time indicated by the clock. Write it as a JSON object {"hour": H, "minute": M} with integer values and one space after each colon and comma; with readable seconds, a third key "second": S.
{"hour": 3, "minute": 4}
